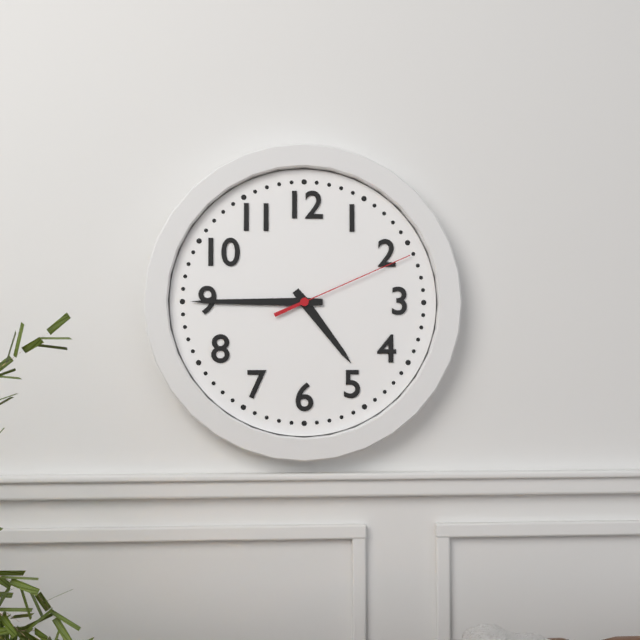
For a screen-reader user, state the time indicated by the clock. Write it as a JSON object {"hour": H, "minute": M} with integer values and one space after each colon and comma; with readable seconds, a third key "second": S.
{"hour": 4, "minute": 45, "second": 11}
